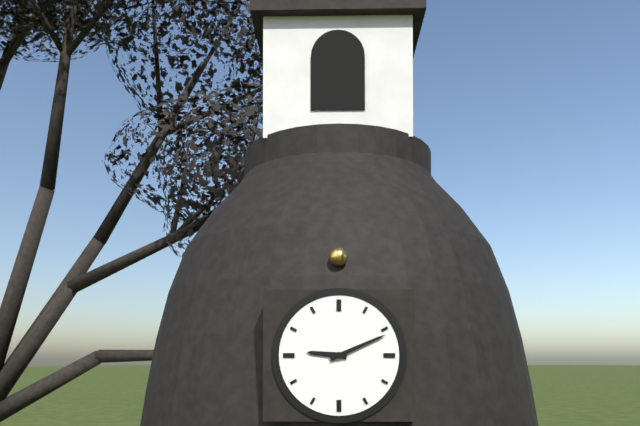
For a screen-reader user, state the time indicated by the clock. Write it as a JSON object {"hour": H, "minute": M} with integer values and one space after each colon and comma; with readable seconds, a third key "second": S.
{"hour": 9, "minute": 11}
